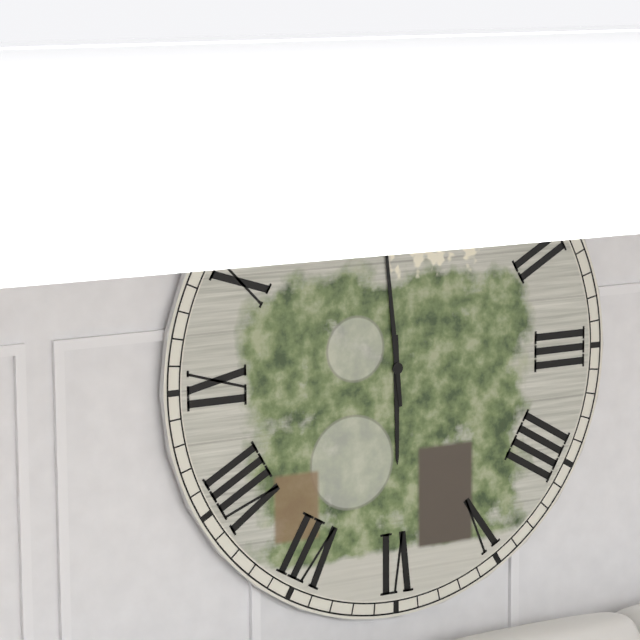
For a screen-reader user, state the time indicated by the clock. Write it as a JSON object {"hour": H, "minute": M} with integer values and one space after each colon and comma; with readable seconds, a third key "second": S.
{"hour": 5, "minute": 59}
